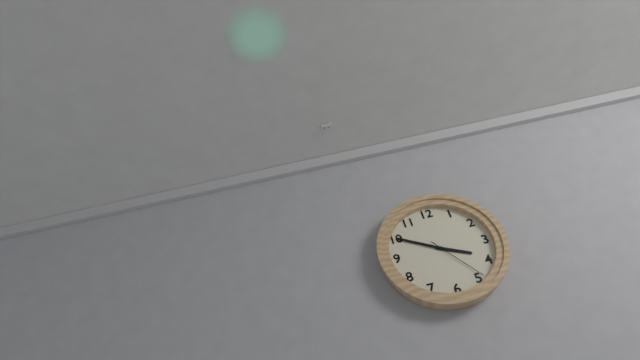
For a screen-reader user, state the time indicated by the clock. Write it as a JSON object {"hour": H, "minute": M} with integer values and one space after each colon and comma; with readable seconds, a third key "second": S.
{"hour": 3, "minute": 50, "second": 24}
